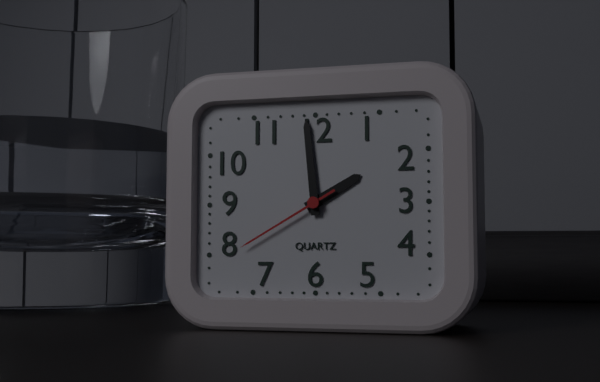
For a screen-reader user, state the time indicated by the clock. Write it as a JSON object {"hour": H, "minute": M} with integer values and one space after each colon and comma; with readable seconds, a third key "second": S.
{"hour": 1, "minute": 59, "second": 40}
